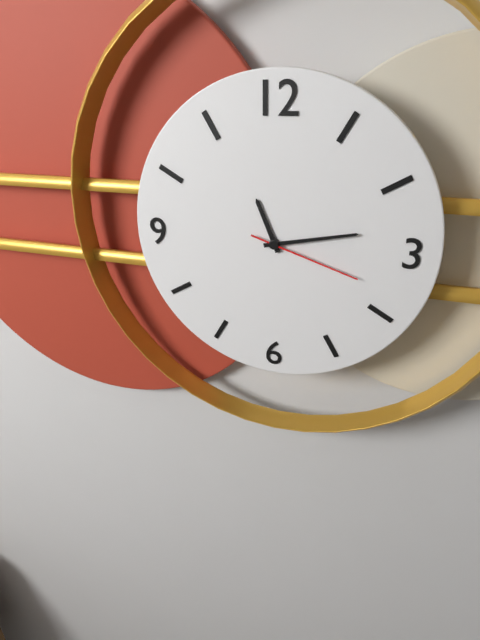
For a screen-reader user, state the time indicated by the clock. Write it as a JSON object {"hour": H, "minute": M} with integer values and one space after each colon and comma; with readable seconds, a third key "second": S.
{"hour": 11, "minute": 13, "second": 18}
